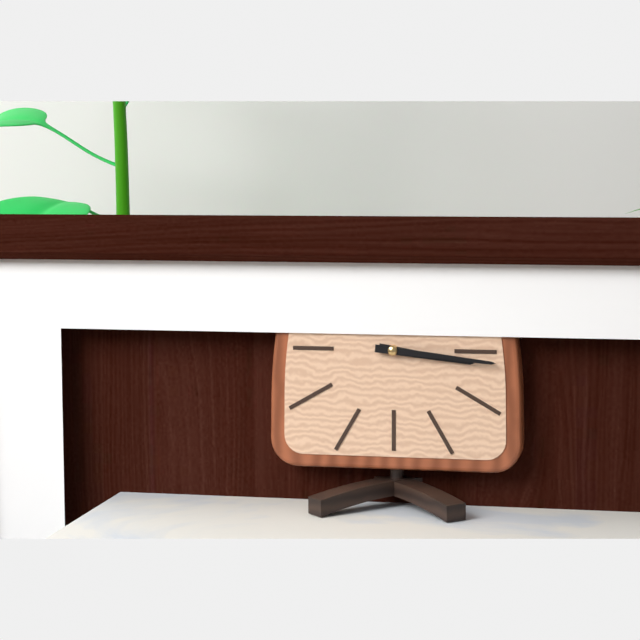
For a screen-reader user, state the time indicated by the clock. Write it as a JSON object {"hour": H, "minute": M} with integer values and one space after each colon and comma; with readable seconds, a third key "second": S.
{"hour": 3, "minute": 16}
